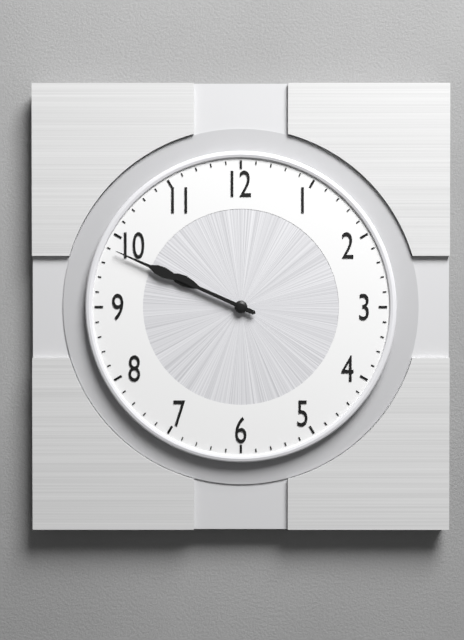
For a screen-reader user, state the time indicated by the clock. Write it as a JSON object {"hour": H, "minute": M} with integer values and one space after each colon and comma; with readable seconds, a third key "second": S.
{"hour": 9, "minute": 49}
